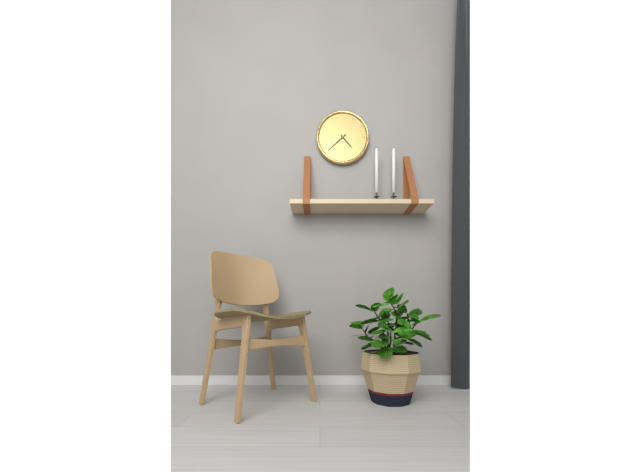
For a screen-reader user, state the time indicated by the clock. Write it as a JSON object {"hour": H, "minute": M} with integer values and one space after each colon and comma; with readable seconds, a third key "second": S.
{"hour": 4, "minute": 38}
